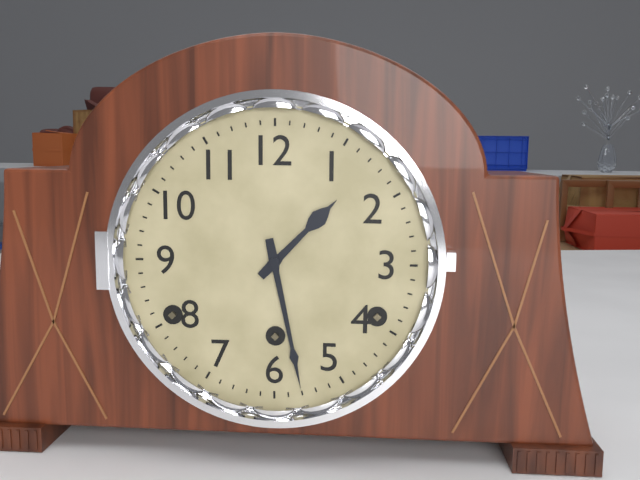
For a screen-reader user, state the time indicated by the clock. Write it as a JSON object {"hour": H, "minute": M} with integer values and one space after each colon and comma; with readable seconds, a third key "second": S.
{"hour": 1, "minute": 28}
